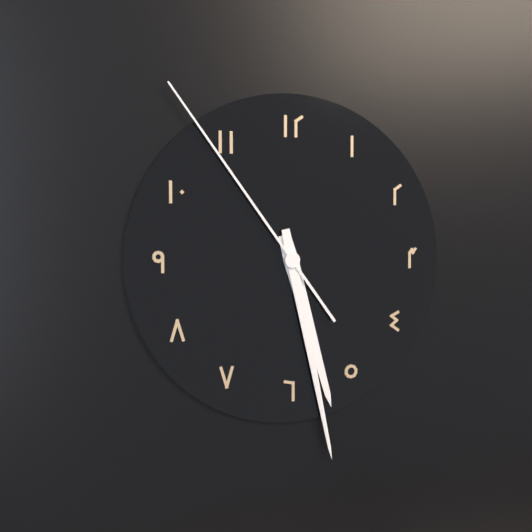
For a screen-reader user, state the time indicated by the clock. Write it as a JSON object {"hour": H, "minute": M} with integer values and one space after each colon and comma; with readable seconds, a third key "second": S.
{"hour": 5, "minute": 28, "second": 54}
